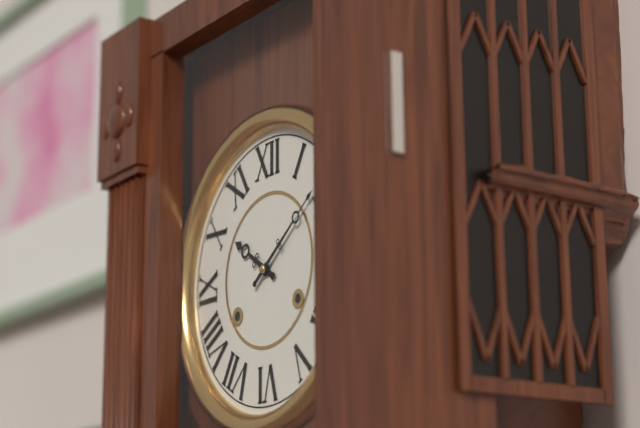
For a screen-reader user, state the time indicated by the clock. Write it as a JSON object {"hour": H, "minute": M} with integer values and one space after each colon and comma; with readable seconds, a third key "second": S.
{"hour": 10, "minute": 9}
